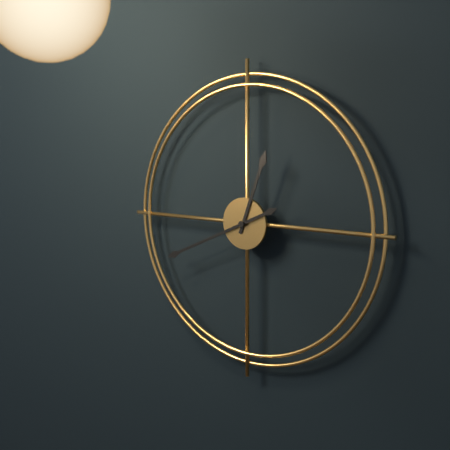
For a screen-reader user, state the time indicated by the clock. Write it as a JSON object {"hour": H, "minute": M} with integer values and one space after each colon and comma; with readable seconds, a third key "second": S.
{"hour": 12, "minute": 41}
